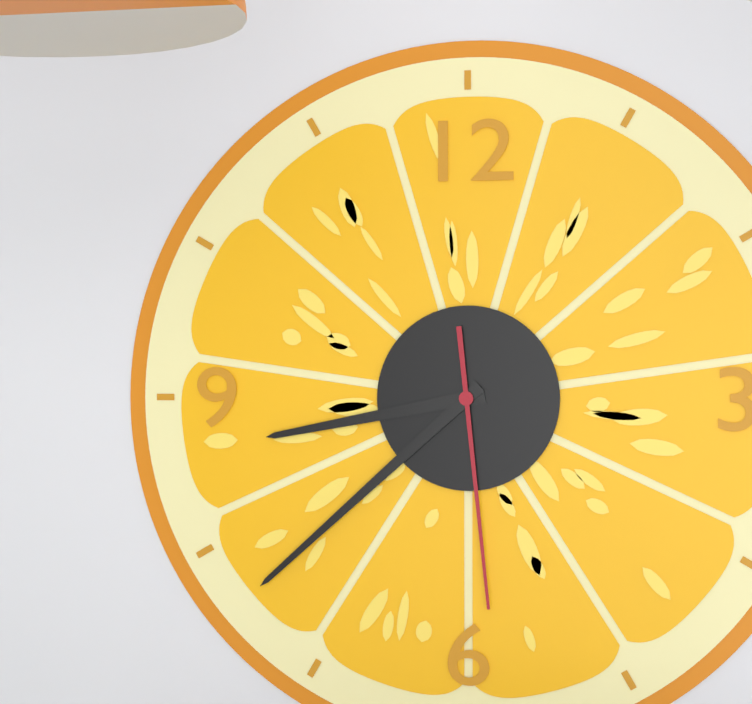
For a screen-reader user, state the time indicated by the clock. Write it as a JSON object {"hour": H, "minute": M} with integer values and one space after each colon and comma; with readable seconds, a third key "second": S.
{"hour": 8, "minute": 38, "second": 29}
